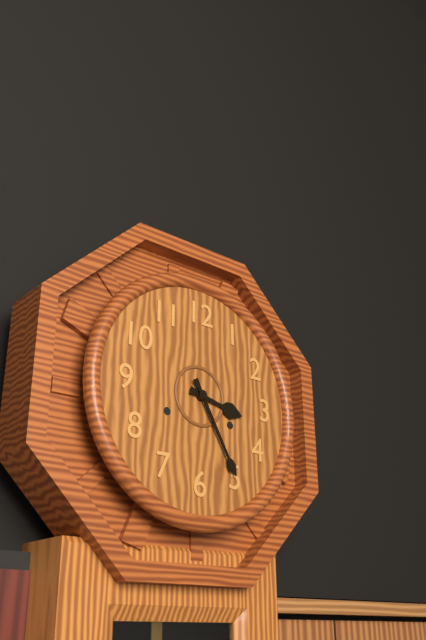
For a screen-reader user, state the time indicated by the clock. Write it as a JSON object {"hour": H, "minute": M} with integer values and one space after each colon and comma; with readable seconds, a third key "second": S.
{"hour": 3, "minute": 25}
